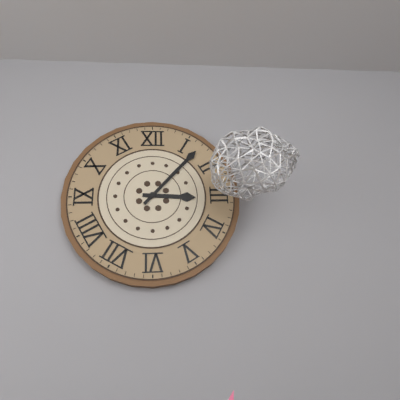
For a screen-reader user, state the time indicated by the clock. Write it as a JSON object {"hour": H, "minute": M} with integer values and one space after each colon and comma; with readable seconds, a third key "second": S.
{"hour": 3, "minute": 7}
